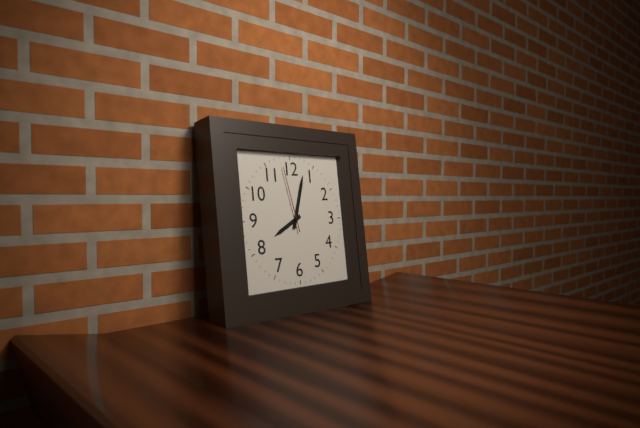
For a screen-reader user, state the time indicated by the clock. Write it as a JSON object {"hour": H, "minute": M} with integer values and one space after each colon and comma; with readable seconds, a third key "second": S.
{"hour": 8, "minute": 3, "second": 58}
